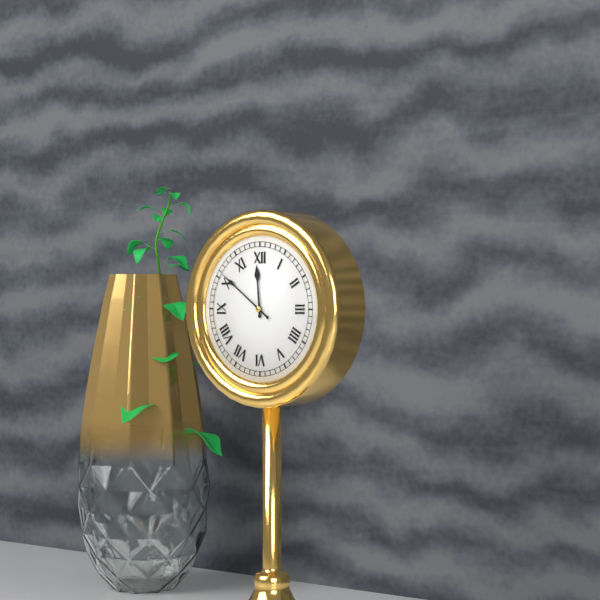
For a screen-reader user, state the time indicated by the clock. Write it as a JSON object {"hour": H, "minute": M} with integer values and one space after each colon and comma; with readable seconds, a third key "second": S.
{"hour": 11, "minute": 51}
